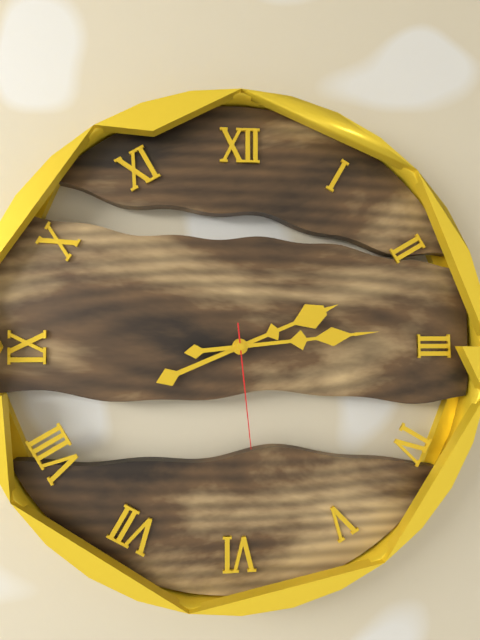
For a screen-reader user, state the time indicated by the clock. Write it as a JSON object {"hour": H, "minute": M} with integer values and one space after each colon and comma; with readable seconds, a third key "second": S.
{"hour": 2, "minute": 14, "second": 29}
